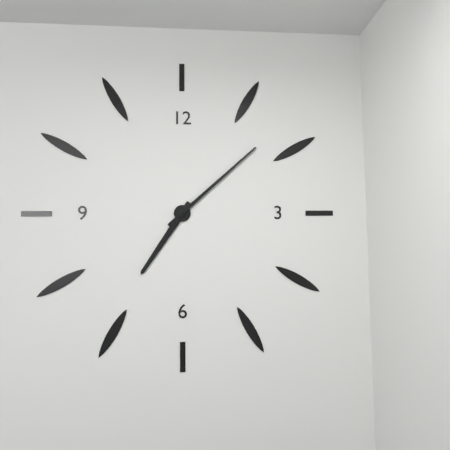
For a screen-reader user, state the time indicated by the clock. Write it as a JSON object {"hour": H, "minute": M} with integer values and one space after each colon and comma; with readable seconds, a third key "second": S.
{"hour": 7, "minute": 8}
